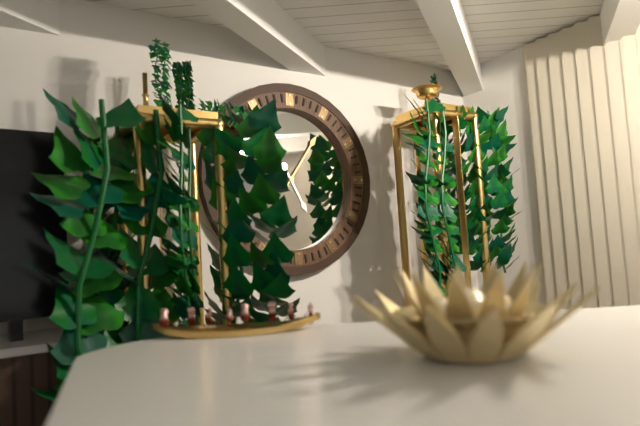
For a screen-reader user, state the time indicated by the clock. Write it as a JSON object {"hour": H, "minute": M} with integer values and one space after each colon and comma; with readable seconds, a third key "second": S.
{"hour": 5, "minute": 6}
